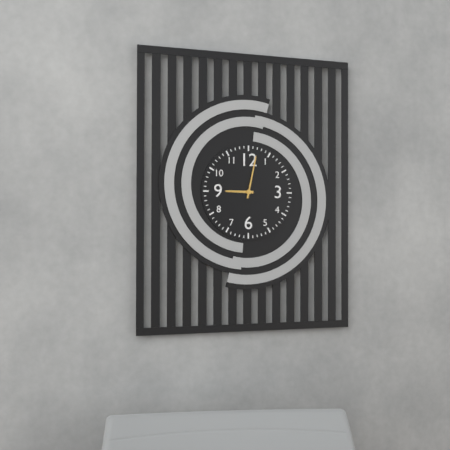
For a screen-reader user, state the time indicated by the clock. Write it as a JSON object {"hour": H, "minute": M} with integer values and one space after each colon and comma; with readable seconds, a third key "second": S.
{"hour": 9, "minute": 2}
